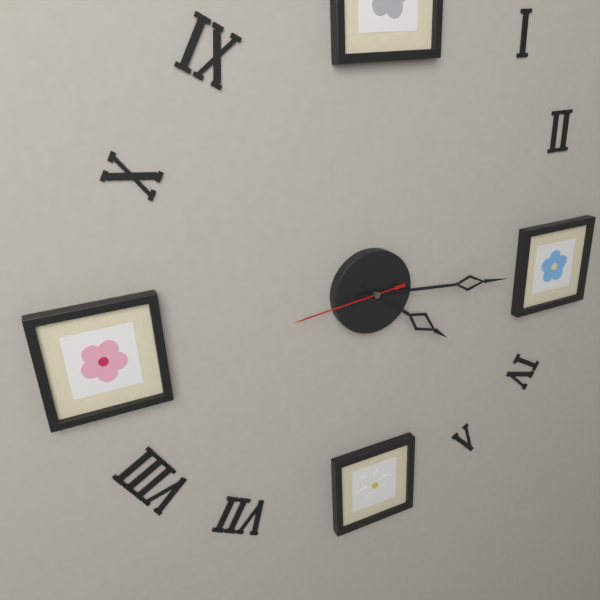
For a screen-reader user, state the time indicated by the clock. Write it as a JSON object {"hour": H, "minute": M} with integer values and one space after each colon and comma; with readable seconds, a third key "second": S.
{"hour": 4, "minute": 16, "second": 44}
